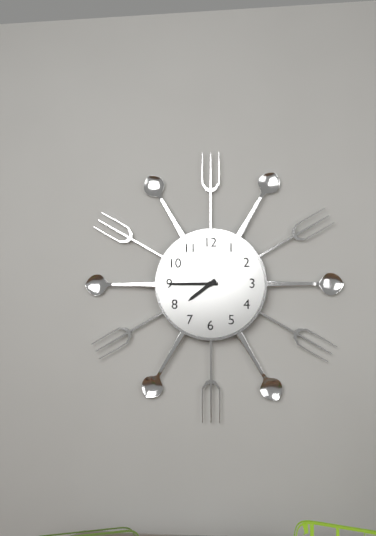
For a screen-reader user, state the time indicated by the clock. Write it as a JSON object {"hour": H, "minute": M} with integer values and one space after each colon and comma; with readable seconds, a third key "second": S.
{"hour": 7, "minute": 45}
